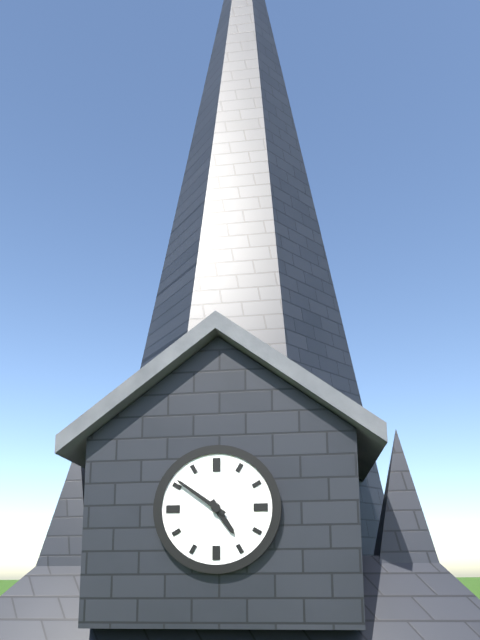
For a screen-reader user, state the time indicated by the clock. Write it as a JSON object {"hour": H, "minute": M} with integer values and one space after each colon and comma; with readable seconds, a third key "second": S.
{"hour": 4, "minute": 51}
